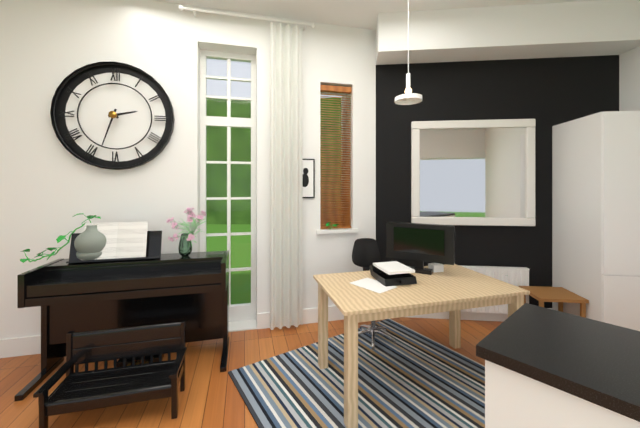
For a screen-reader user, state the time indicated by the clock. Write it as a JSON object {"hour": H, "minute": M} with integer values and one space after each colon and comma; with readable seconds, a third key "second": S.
{"hour": 2, "minute": 33}
